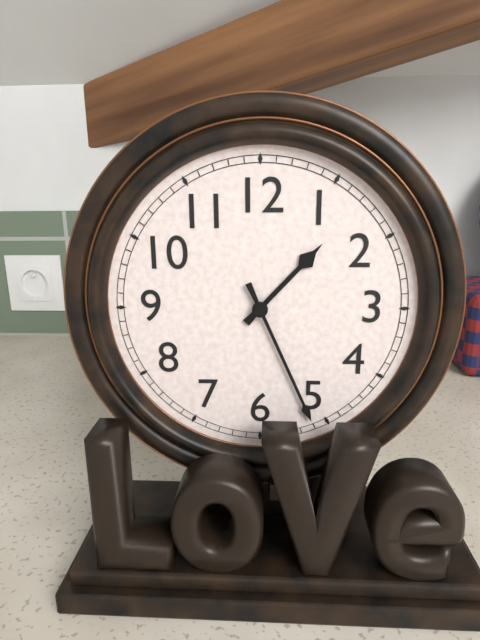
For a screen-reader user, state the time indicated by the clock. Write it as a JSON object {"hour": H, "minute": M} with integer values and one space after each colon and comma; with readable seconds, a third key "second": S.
{"hour": 1, "minute": 26}
